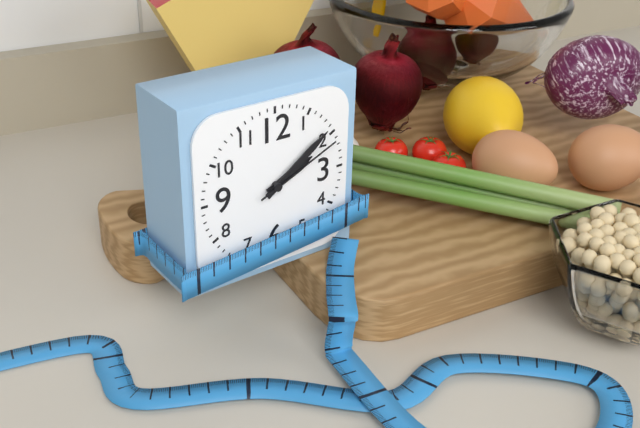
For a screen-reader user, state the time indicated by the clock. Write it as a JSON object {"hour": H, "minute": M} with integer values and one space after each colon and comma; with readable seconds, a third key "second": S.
{"hour": 2, "minute": 9, "second": 11}
